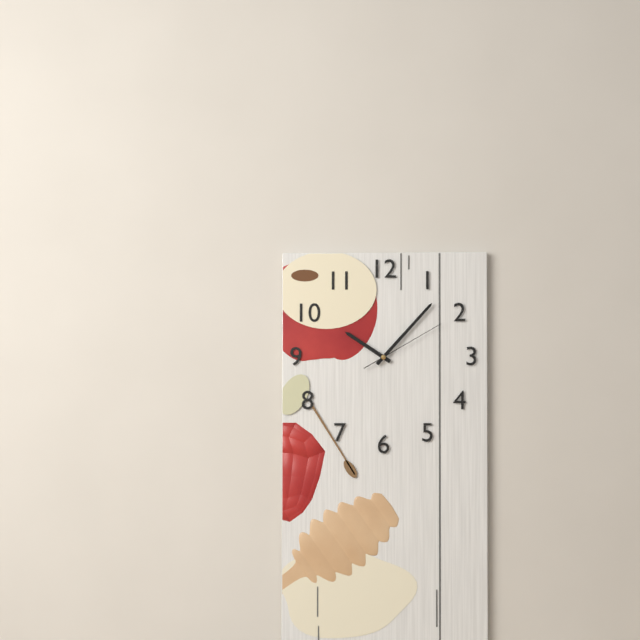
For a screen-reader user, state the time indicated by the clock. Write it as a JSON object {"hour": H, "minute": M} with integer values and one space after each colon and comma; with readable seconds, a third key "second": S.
{"hour": 10, "minute": 7, "second": 10}
